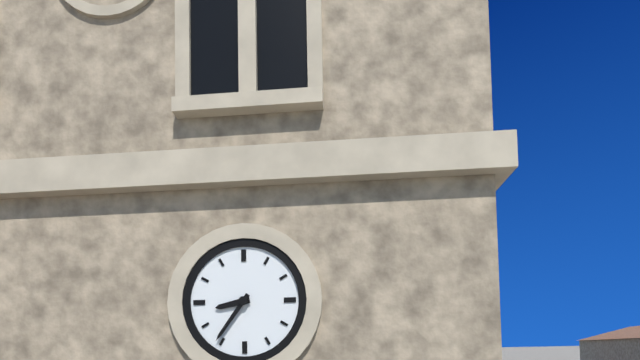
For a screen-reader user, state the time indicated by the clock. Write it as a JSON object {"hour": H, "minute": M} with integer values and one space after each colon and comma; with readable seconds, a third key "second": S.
{"hour": 8, "minute": 36}
